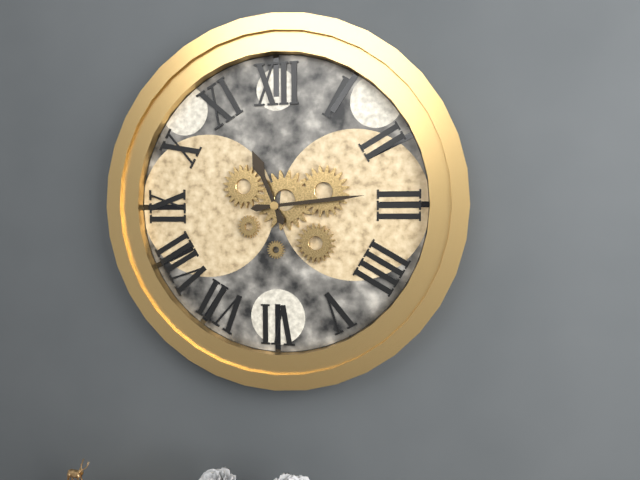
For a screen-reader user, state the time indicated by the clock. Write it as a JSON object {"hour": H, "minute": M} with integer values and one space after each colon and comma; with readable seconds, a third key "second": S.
{"hour": 11, "minute": 14}
